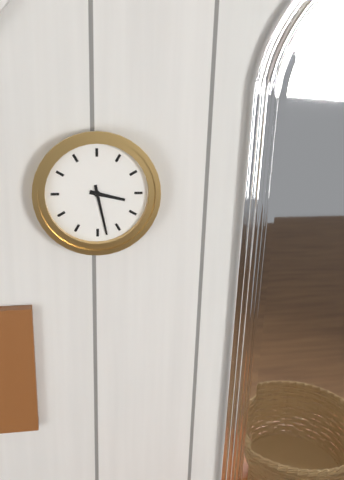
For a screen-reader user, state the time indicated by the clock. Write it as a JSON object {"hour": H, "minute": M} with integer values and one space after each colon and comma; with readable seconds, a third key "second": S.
{"hour": 3, "minute": 28}
